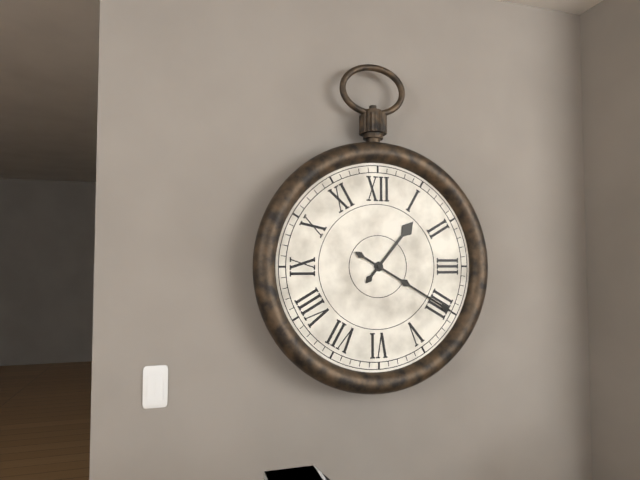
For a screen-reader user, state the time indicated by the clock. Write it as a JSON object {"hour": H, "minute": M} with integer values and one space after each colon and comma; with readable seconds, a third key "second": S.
{"hour": 1, "minute": 20}
